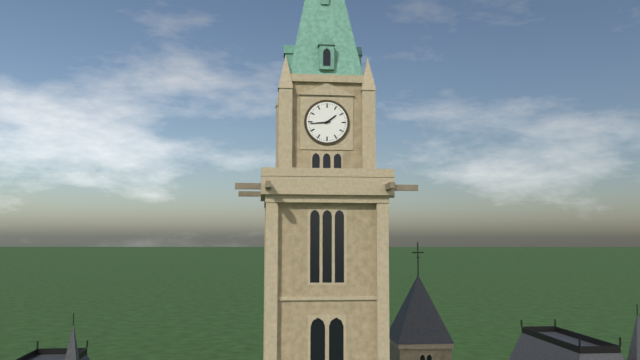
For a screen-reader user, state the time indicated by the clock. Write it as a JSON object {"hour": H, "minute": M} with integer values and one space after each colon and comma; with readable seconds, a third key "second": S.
{"hour": 1, "minute": 44}
